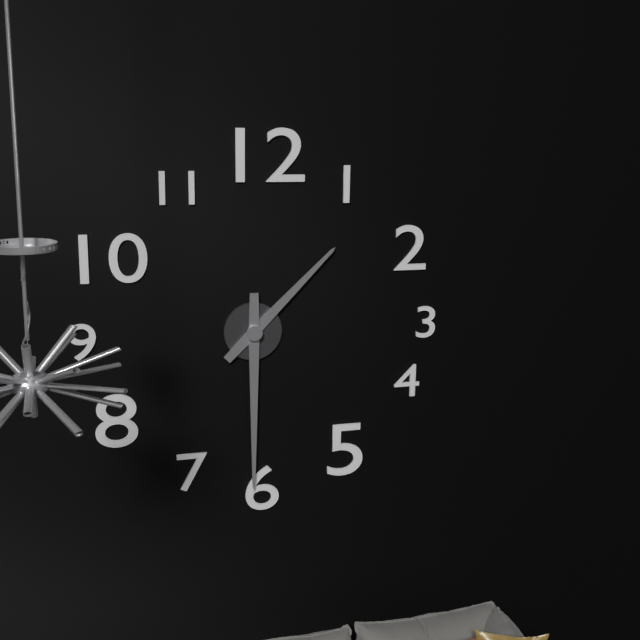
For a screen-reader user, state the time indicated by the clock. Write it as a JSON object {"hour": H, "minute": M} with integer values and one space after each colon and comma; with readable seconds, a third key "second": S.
{"hour": 1, "minute": 30}
